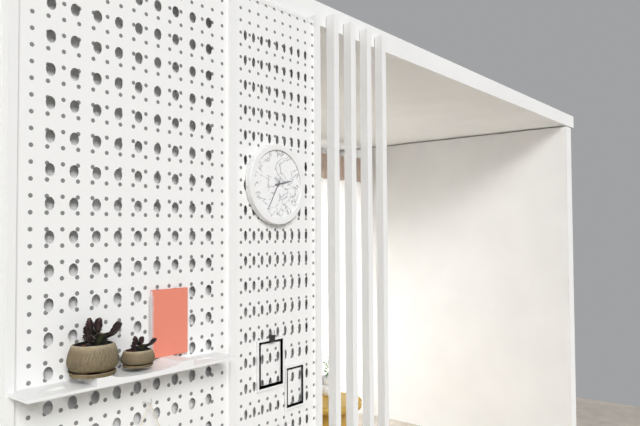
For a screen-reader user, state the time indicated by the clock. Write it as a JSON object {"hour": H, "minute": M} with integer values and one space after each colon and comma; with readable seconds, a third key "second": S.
{"hour": 2, "minute": 35}
